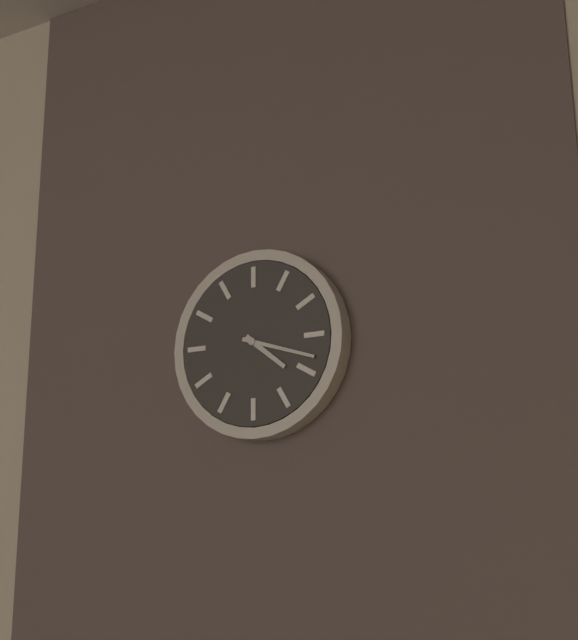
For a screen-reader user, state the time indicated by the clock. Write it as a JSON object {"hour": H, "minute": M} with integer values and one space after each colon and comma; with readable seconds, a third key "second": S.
{"hour": 4, "minute": 18}
